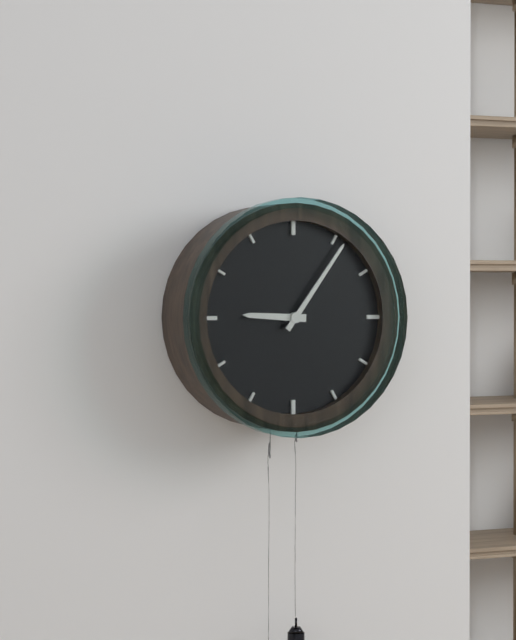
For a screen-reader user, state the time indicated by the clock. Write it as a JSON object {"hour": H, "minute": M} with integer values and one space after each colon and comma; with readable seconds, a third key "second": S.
{"hour": 9, "minute": 6}
